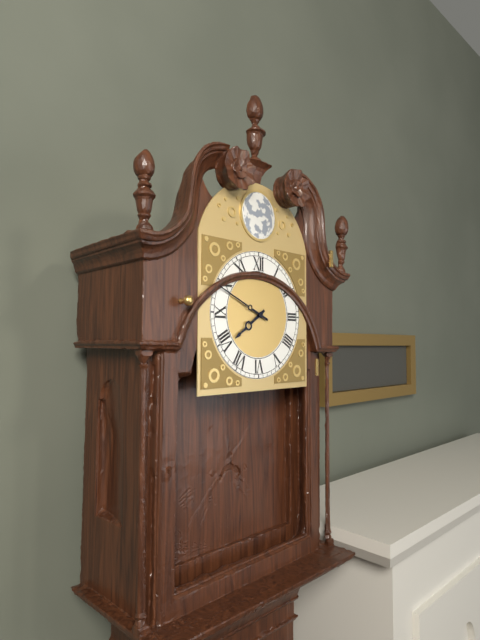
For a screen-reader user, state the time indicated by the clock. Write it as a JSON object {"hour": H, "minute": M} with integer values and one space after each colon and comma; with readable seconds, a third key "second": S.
{"hour": 7, "minute": 49}
